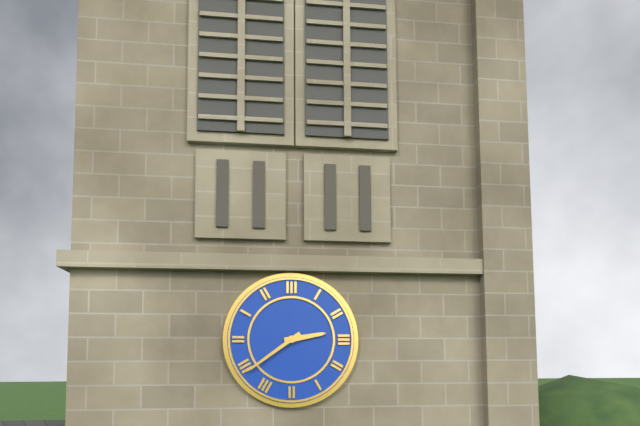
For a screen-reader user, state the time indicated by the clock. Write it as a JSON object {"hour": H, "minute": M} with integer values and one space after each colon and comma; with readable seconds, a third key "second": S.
{"hour": 2, "minute": 39}
